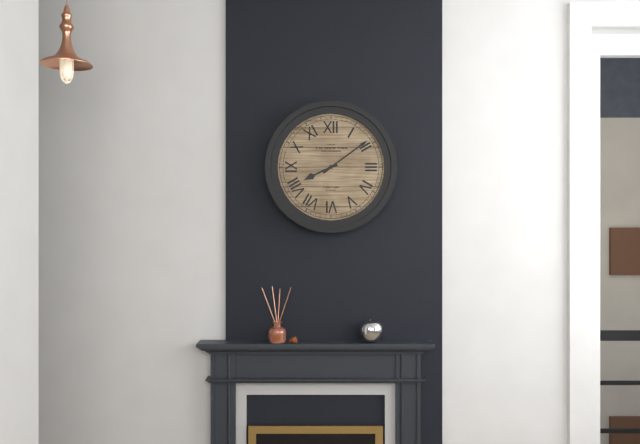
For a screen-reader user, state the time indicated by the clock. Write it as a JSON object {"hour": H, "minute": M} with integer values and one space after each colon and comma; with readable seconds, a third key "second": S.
{"hour": 8, "minute": 9}
